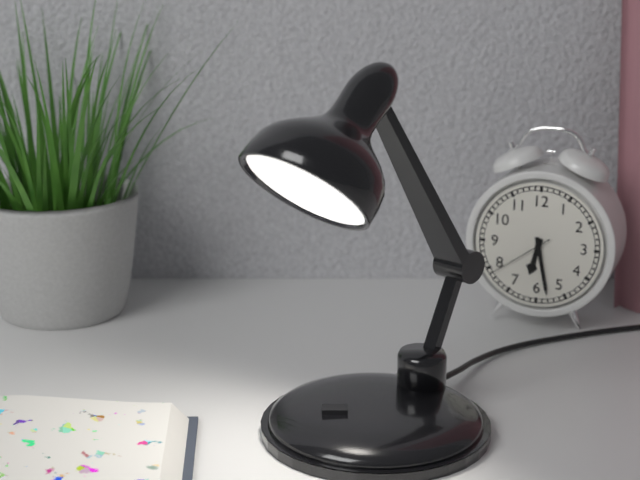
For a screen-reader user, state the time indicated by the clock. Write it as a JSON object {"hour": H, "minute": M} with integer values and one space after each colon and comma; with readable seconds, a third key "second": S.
{"hour": 6, "minute": 28, "second": 39}
